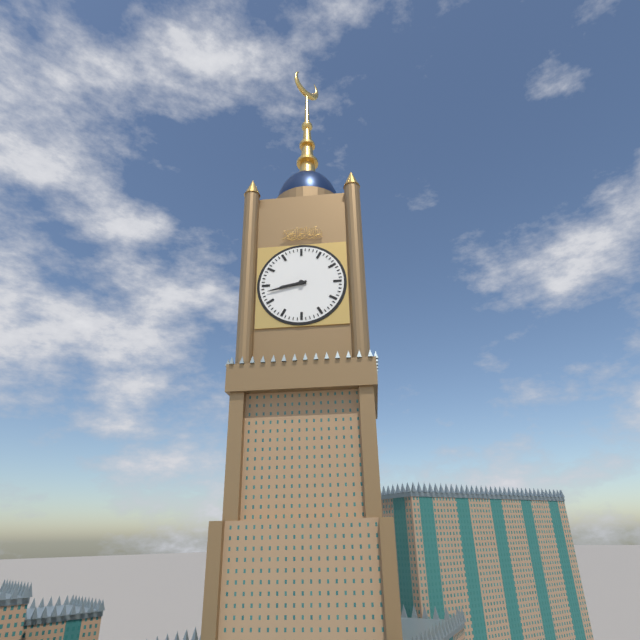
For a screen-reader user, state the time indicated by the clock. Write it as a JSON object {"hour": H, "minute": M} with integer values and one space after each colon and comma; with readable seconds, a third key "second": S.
{"hour": 8, "minute": 43}
